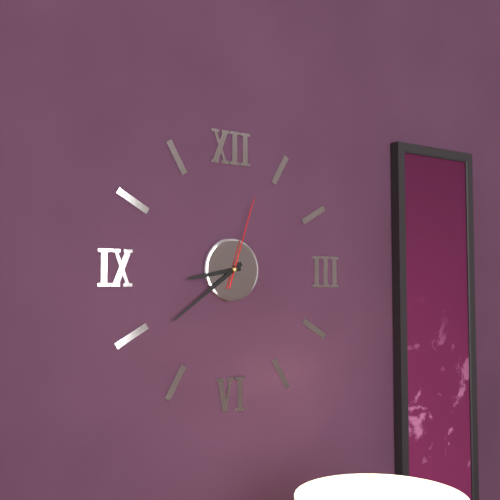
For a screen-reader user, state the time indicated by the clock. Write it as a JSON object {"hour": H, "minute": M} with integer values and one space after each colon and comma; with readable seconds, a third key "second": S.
{"hour": 8, "minute": 39, "second": 3}
